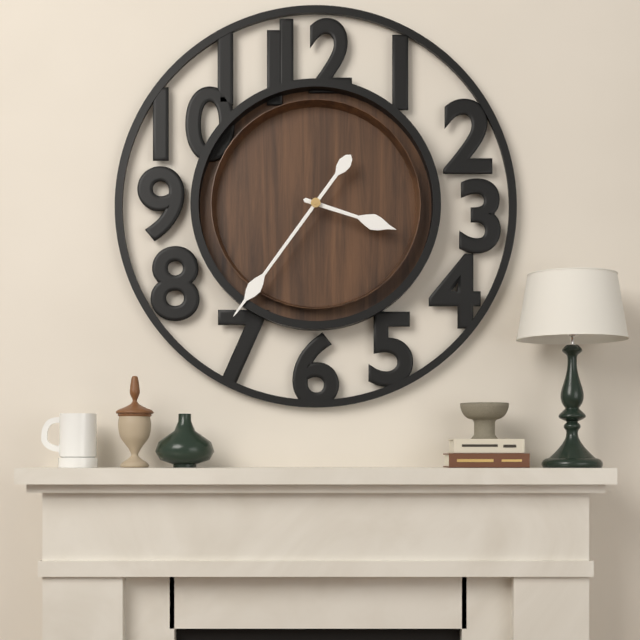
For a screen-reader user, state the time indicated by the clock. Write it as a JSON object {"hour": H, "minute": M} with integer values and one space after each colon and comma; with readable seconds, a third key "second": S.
{"hour": 3, "minute": 36}
